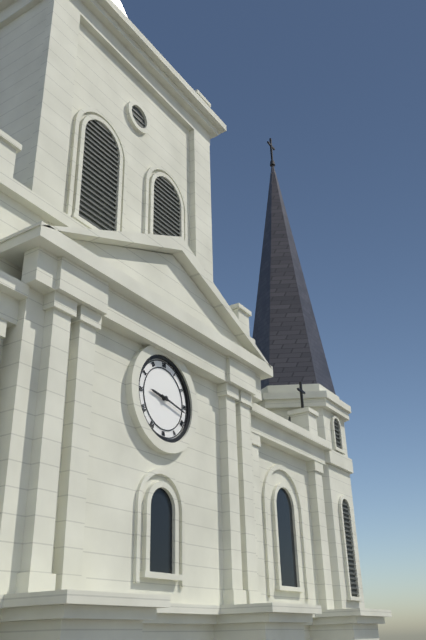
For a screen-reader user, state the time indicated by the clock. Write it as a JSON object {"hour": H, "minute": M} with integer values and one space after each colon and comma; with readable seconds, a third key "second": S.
{"hour": 9, "minute": 17}
